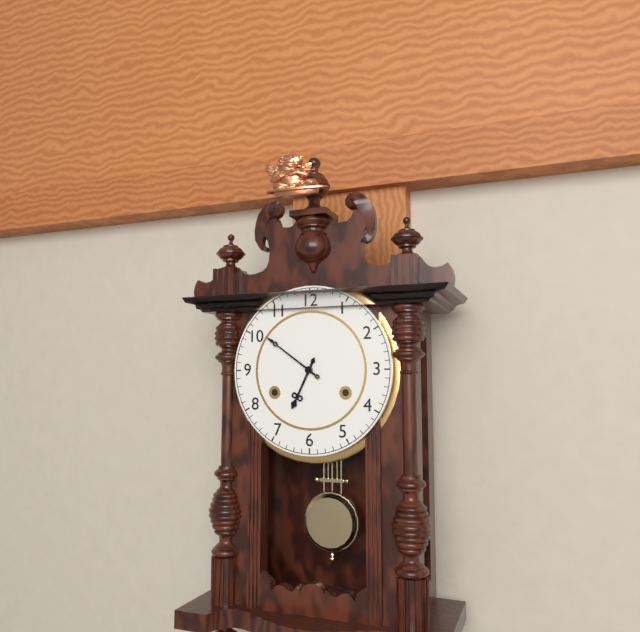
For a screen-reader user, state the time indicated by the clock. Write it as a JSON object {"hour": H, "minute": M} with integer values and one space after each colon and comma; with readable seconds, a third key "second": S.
{"hour": 6, "minute": 51}
